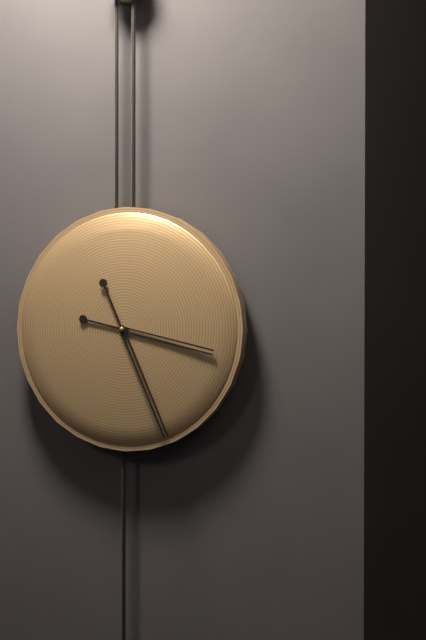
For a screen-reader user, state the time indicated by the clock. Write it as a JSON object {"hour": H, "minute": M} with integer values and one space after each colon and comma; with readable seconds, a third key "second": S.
{"hour": 3, "minute": 26}
